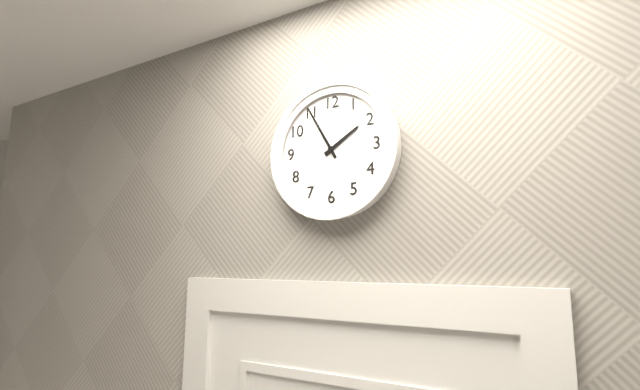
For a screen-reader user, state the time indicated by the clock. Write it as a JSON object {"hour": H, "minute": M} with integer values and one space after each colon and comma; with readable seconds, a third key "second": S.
{"hour": 1, "minute": 55}
